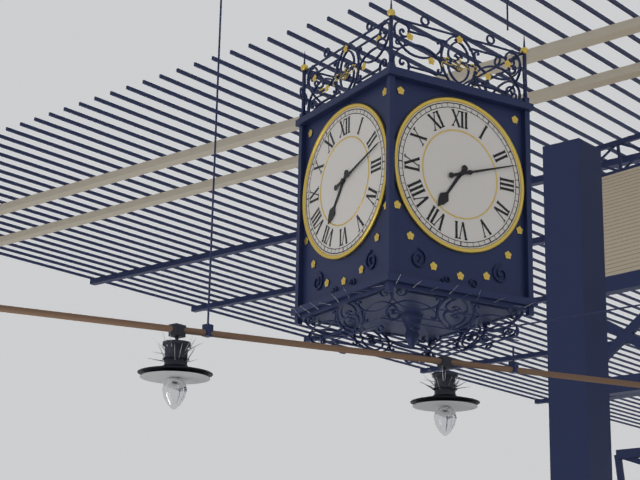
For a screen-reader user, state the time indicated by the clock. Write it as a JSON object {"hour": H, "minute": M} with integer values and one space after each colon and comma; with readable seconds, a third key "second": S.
{"hour": 7, "minute": 12}
